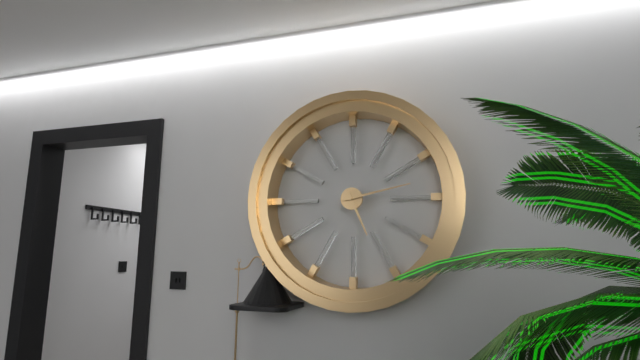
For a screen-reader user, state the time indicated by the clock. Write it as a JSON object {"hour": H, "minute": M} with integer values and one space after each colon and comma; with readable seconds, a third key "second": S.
{"hour": 5, "minute": 13}
